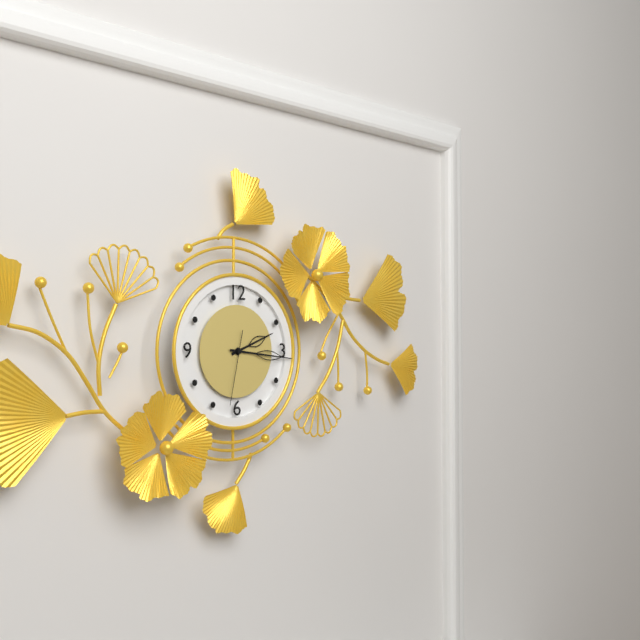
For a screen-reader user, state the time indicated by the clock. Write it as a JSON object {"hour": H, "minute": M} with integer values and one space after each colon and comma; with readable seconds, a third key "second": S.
{"hour": 2, "minute": 16, "second": 32}
